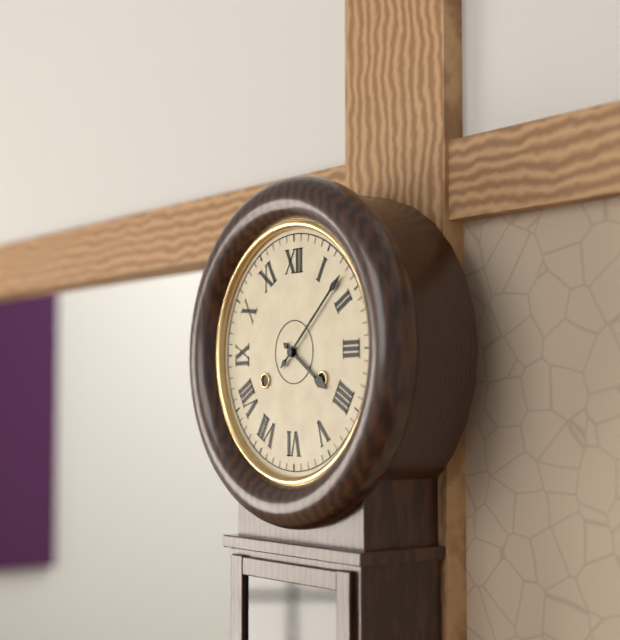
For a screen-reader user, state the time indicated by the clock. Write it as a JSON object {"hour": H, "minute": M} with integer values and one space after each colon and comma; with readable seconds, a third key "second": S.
{"hour": 4, "minute": 8}
